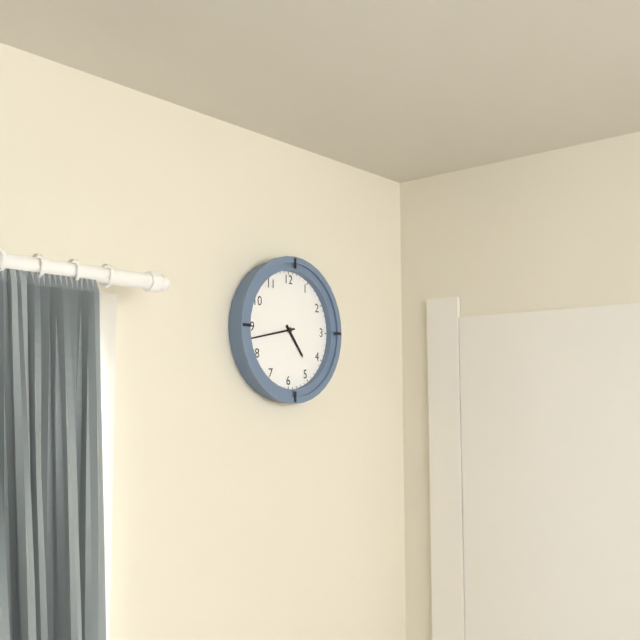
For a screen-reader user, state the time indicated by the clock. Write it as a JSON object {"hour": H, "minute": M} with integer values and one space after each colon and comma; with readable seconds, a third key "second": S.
{"hour": 4, "minute": 43}
